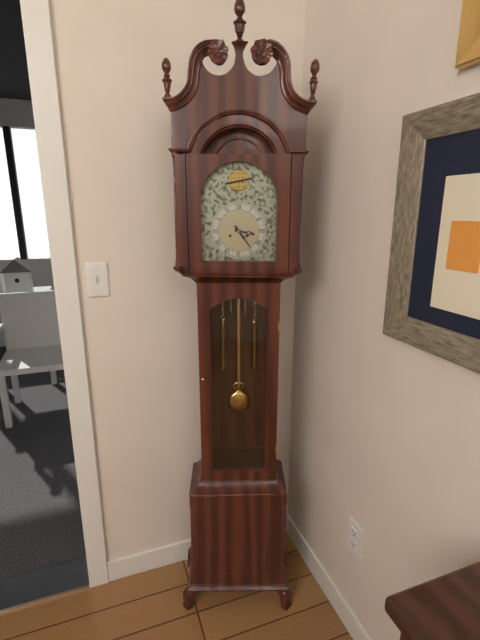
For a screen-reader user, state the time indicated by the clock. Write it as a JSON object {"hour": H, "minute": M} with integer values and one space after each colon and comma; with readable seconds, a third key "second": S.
{"hour": 3, "minute": 24}
